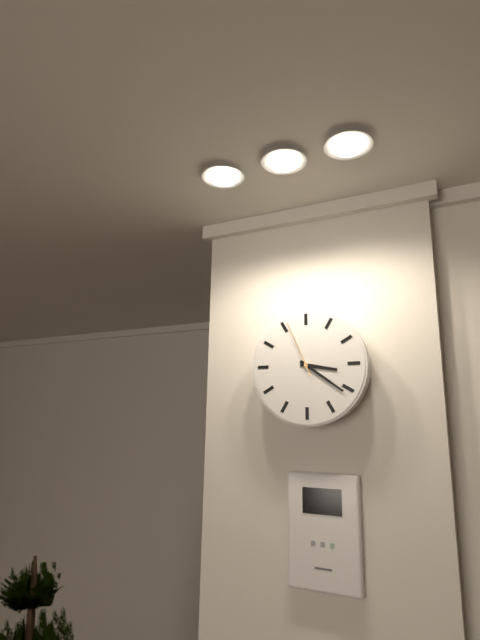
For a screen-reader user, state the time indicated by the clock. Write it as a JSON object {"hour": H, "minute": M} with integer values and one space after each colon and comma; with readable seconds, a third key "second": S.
{"hour": 3, "minute": 21, "second": 56}
